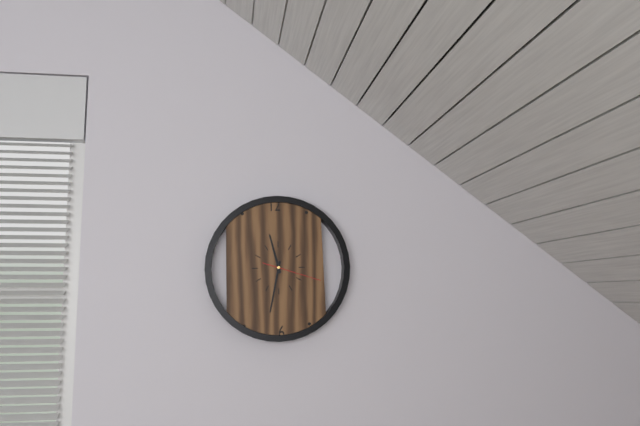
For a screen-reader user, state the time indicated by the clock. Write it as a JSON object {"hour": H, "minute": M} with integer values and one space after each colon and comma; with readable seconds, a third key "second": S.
{"hour": 11, "minute": 32, "second": 18}
